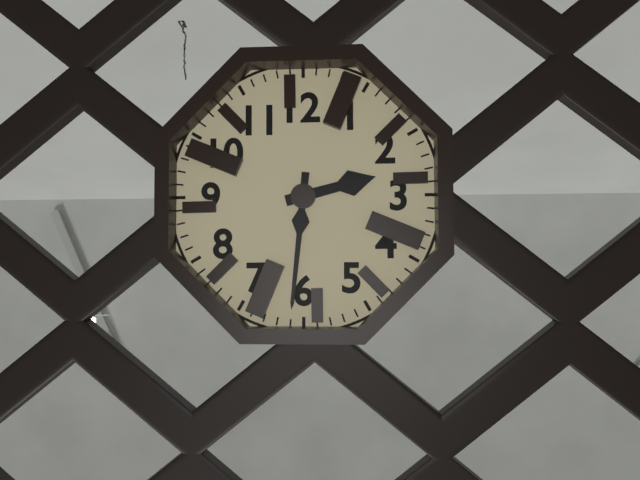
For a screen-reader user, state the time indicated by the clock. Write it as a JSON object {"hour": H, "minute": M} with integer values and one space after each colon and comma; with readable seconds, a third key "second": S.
{"hour": 2, "minute": 31}
